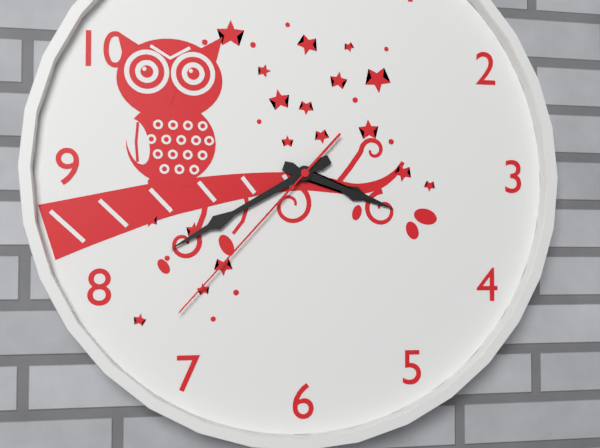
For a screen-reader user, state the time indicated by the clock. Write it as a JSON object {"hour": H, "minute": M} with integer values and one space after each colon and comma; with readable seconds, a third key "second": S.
{"hour": 3, "minute": 40, "second": 37}
